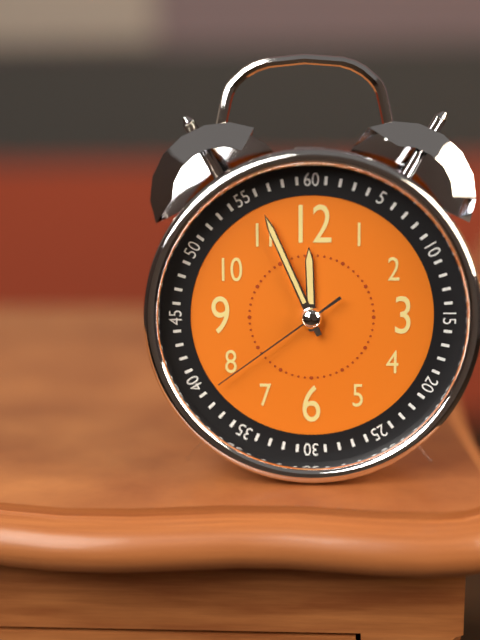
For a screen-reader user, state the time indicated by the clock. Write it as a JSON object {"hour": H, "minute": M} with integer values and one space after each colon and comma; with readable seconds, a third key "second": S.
{"hour": 11, "minute": 56, "second": 39}
